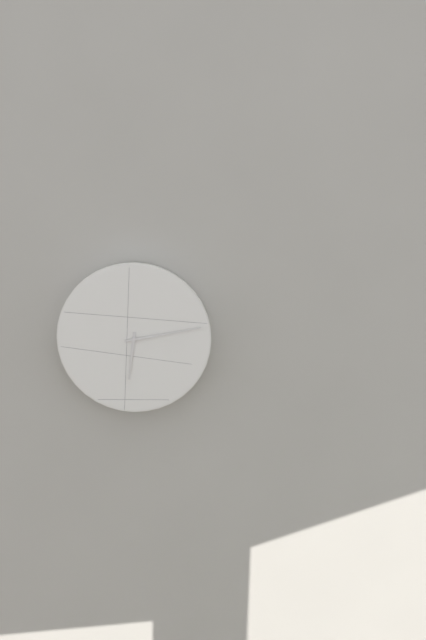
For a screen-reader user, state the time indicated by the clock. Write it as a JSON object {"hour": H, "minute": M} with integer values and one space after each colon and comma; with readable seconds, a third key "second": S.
{"hour": 6, "minute": 13}
